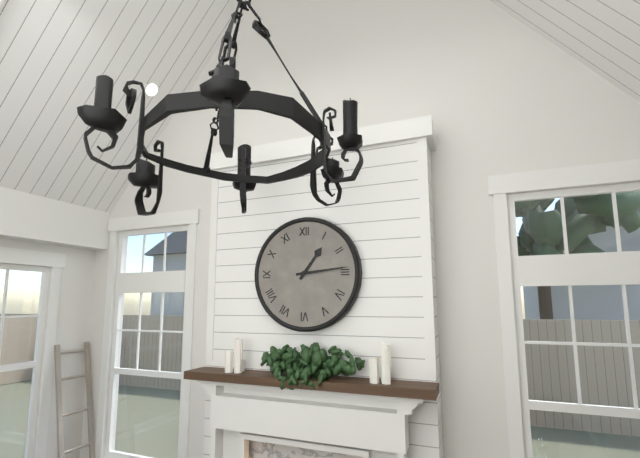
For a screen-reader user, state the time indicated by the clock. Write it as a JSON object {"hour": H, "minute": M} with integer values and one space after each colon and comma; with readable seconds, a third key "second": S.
{"hour": 1, "minute": 14}
